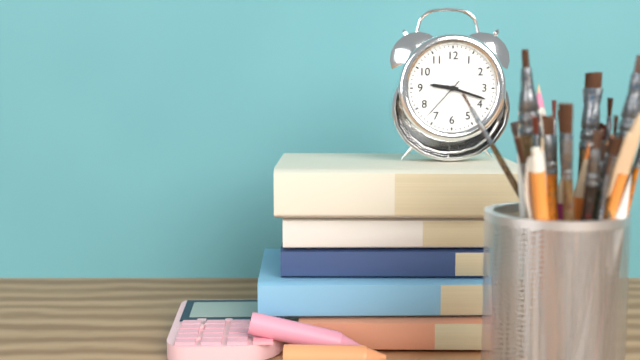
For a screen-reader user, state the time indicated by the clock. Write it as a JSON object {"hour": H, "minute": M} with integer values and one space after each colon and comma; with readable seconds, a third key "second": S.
{"hour": 9, "minute": 18}
